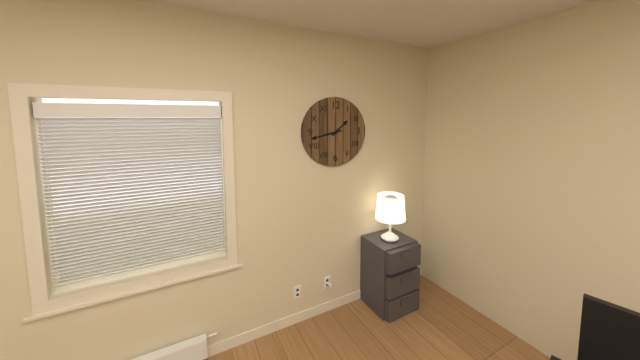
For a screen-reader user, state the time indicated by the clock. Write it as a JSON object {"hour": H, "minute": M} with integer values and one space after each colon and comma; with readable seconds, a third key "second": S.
{"hour": 1, "minute": 43}
